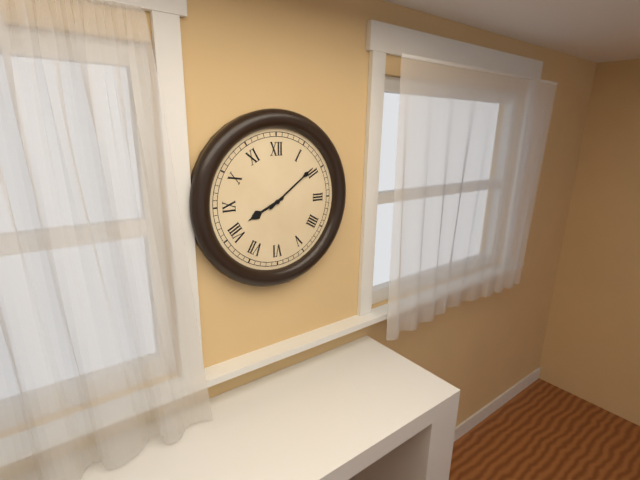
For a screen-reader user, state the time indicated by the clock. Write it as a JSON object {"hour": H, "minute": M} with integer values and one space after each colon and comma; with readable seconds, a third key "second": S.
{"hour": 8, "minute": 9}
